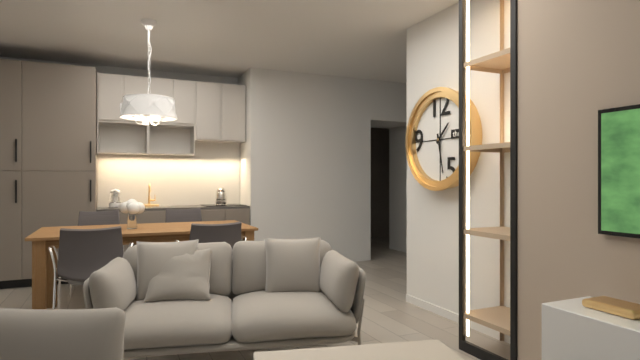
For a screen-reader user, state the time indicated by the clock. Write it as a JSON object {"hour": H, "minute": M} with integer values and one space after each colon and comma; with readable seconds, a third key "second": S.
{"hour": 1, "minute": 28}
